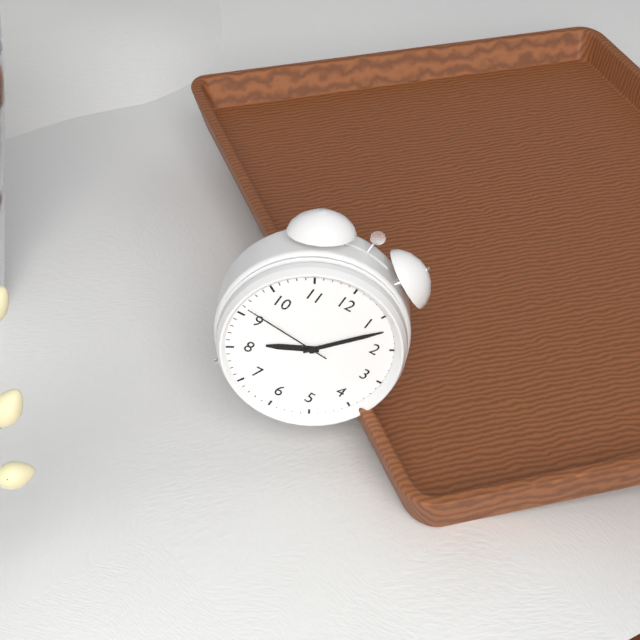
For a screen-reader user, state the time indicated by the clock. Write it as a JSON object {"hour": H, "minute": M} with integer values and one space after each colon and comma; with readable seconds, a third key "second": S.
{"hour": 8, "minute": 7, "second": 46}
